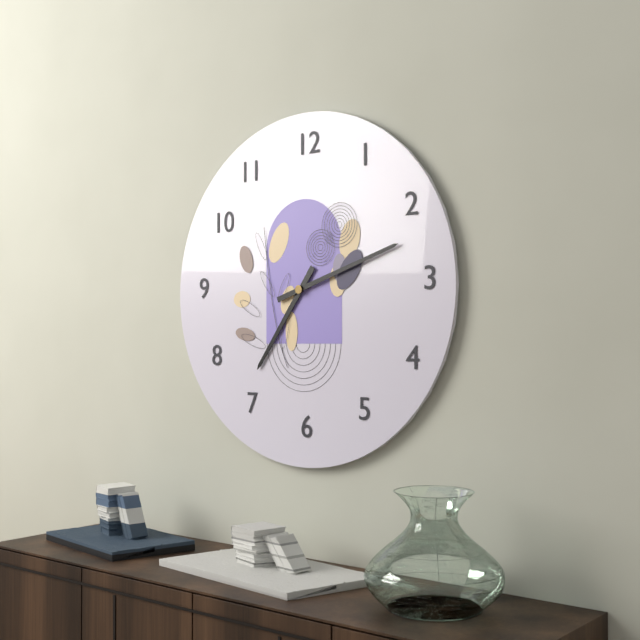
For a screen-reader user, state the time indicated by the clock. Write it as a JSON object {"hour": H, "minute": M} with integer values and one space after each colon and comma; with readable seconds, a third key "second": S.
{"hour": 7, "minute": 12}
